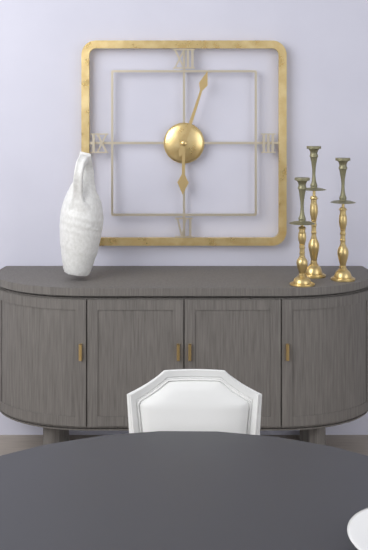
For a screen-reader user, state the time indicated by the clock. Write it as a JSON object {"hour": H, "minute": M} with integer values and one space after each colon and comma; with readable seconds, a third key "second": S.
{"hour": 6, "minute": 3}
